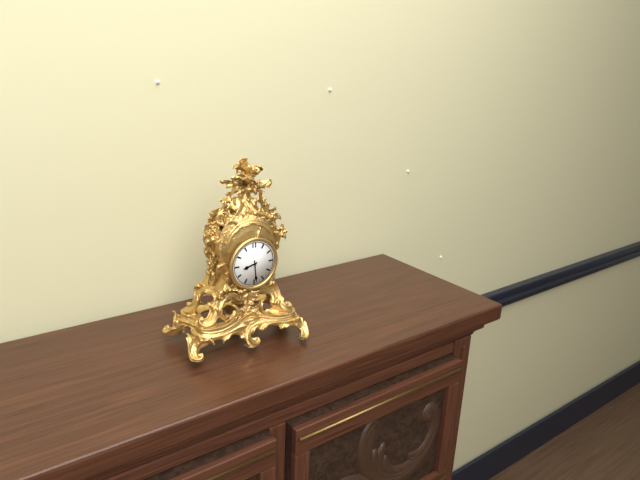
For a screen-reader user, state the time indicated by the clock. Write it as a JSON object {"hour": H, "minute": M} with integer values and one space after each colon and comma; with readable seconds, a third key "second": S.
{"hour": 8, "minute": 29}
